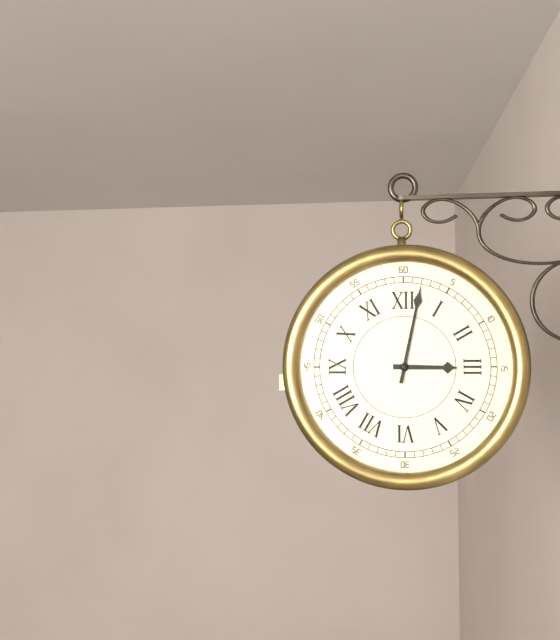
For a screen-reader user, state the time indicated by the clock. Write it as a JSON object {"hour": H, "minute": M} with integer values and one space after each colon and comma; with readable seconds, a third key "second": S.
{"hour": 3, "minute": 2}
